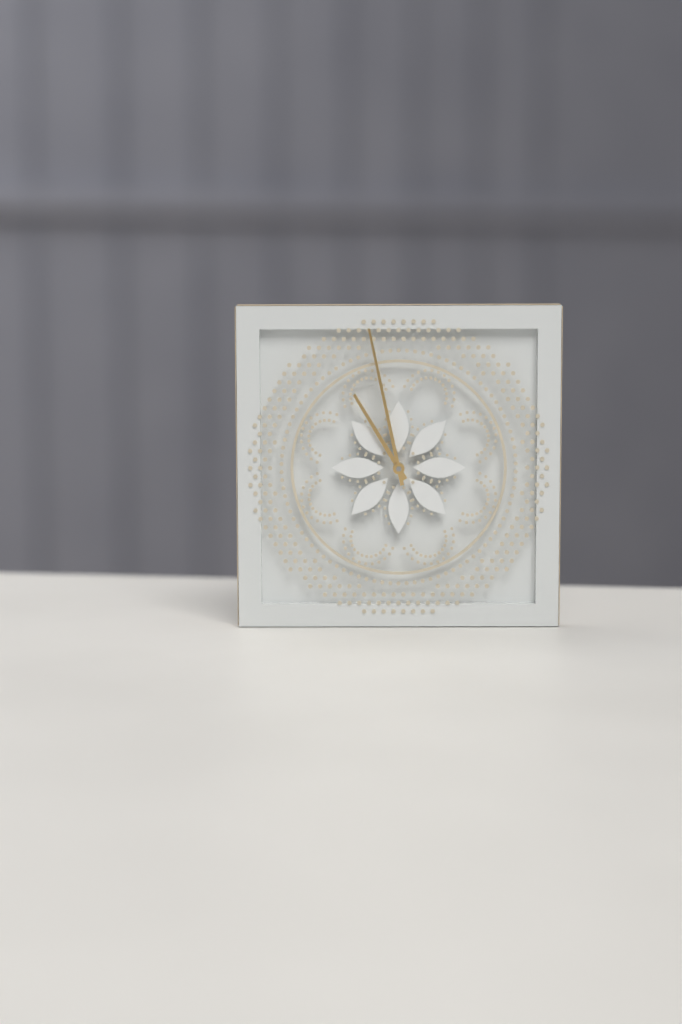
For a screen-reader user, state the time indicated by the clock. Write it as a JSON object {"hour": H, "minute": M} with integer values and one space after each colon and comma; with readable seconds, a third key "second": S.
{"hour": 10, "minute": 58}
